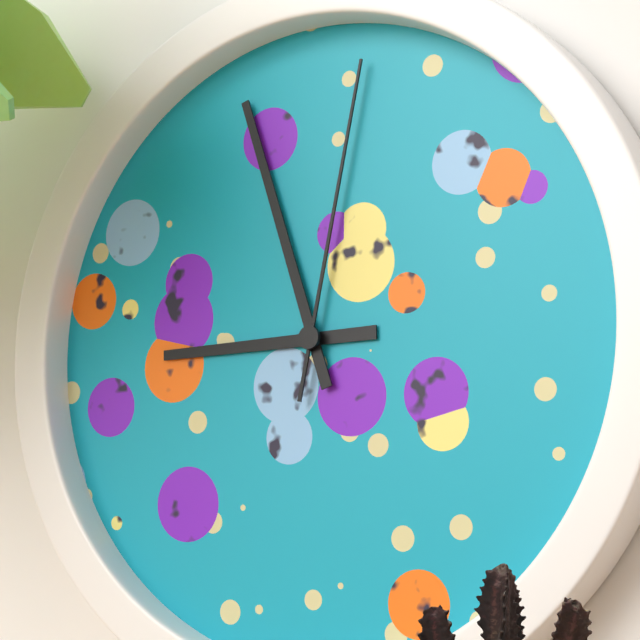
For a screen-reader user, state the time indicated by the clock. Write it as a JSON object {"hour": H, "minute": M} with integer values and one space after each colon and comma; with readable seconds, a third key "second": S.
{"hour": 8, "minute": 57, "second": 2}
